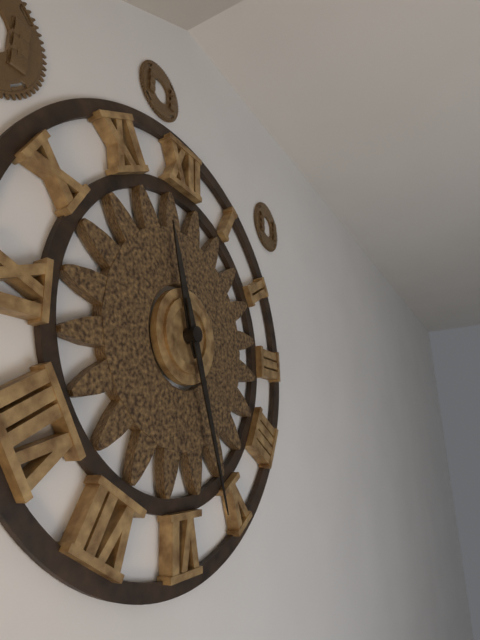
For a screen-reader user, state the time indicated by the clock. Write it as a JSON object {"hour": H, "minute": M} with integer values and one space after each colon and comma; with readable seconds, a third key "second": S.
{"hour": 11, "minute": 27}
